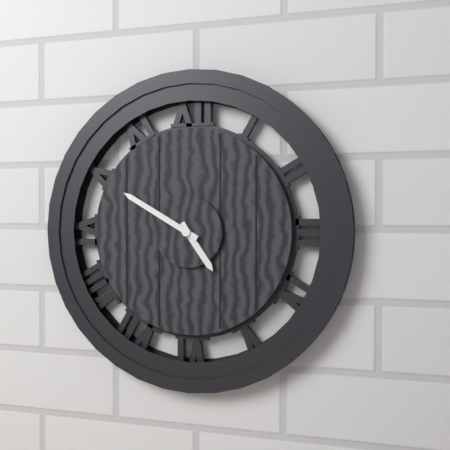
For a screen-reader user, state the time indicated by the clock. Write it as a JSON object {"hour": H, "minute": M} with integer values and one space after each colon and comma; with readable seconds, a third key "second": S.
{"hour": 4, "minute": 50}
